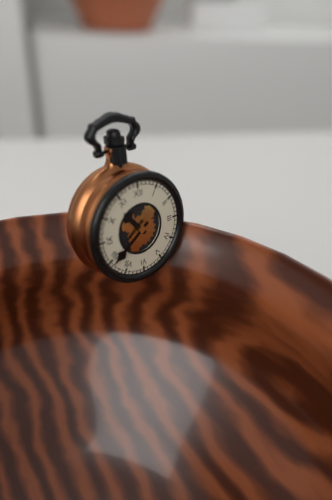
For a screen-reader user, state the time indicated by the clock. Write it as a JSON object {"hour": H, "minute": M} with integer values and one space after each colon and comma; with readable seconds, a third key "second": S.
{"hour": 10, "minute": 39}
